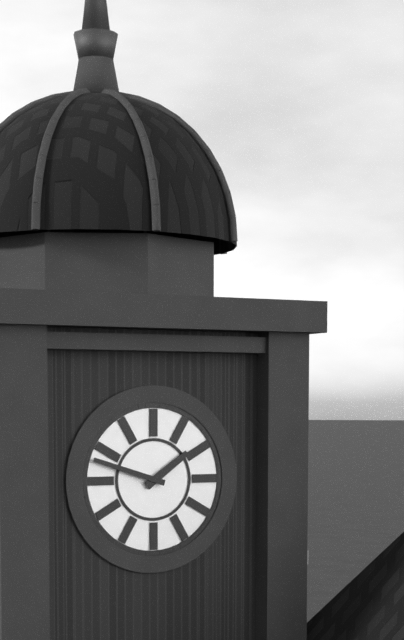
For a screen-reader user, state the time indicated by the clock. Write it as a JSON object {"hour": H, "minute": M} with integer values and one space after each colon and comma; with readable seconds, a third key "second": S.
{"hour": 1, "minute": 48}
